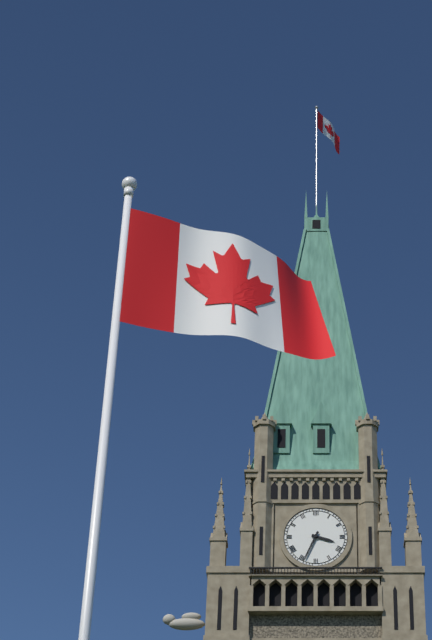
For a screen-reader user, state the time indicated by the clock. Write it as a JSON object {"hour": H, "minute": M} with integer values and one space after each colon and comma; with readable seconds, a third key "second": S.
{"hour": 3, "minute": 34}
